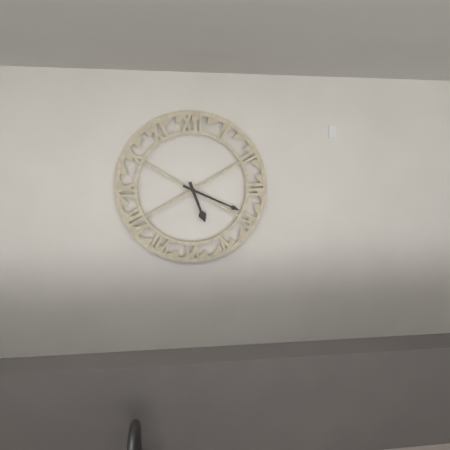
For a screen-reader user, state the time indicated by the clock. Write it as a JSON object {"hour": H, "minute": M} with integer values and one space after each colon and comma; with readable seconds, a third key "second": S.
{"hour": 5, "minute": 19}
